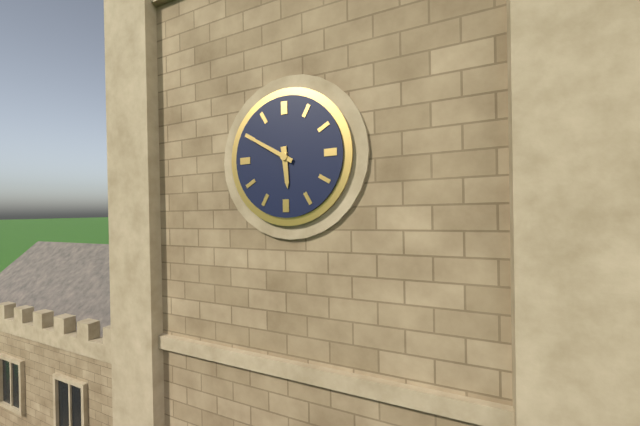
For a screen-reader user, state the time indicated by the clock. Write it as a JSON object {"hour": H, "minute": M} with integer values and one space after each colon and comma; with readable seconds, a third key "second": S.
{"hour": 5, "minute": 50}
